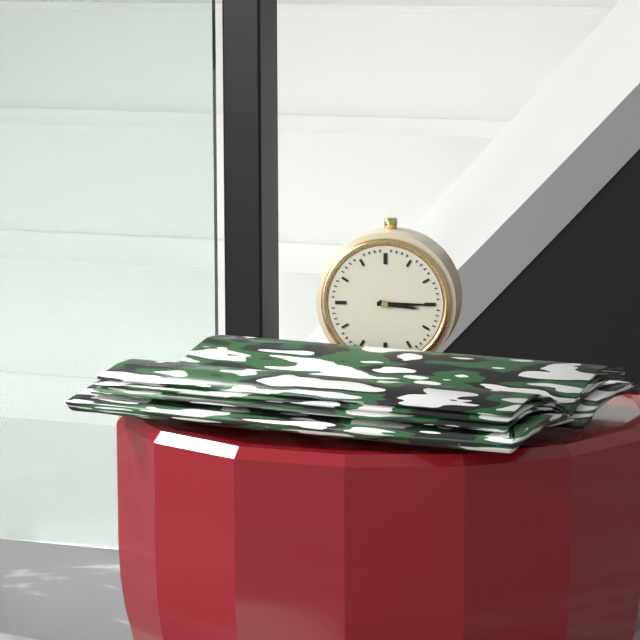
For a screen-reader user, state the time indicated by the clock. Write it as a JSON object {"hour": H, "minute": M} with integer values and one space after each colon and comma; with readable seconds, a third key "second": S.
{"hour": 3, "minute": 15}
